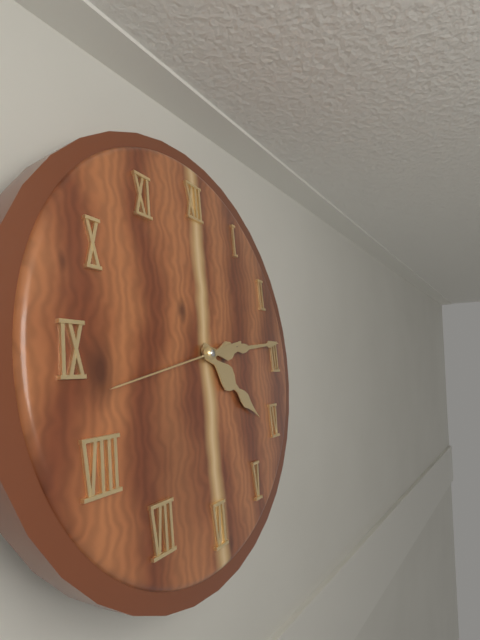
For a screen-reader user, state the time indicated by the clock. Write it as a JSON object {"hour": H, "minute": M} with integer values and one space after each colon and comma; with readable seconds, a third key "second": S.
{"hour": 4, "minute": 14, "second": 43}
